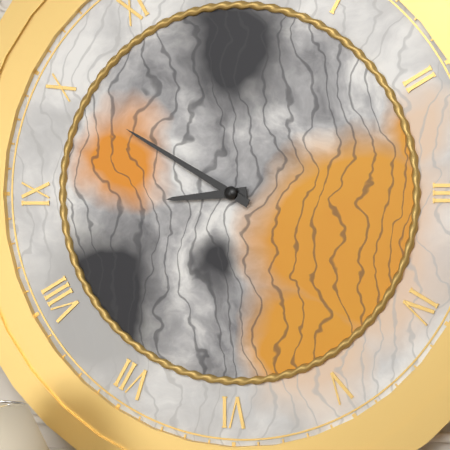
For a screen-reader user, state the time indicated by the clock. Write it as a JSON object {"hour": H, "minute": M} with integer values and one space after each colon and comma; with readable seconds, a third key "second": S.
{"hour": 8, "minute": 50}
